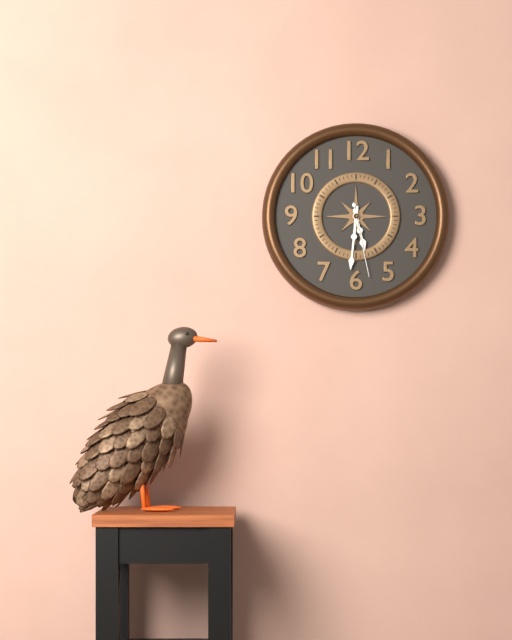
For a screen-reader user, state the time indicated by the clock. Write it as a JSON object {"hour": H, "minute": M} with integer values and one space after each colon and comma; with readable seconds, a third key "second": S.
{"hour": 5, "minute": 31, "second": 28}
